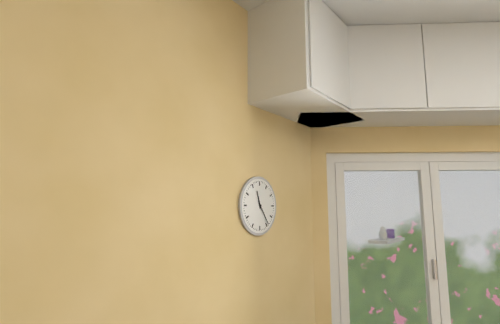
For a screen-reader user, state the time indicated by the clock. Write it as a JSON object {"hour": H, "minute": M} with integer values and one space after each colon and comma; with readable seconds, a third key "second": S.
{"hour": 11, "minute": 24}
